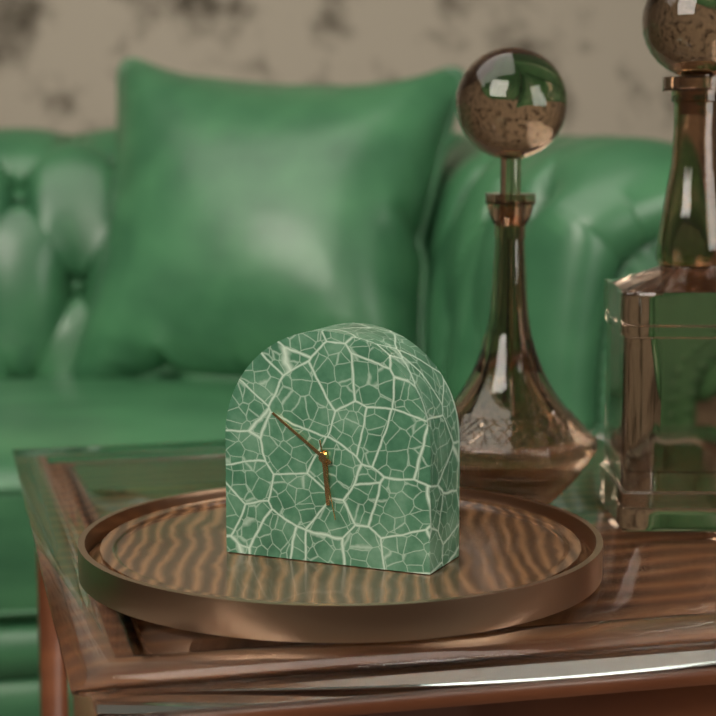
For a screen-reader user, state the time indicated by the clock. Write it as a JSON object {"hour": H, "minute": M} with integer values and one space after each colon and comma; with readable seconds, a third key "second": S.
{"hour": 5, "minute": 51, "second": 28}
